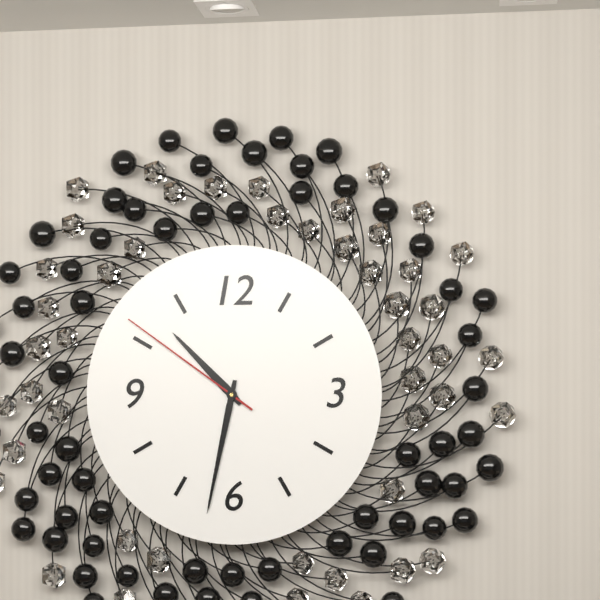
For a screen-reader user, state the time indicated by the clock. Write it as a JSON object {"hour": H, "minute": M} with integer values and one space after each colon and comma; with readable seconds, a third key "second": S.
{"hour": 10, "minute": 32, "second": 51}
